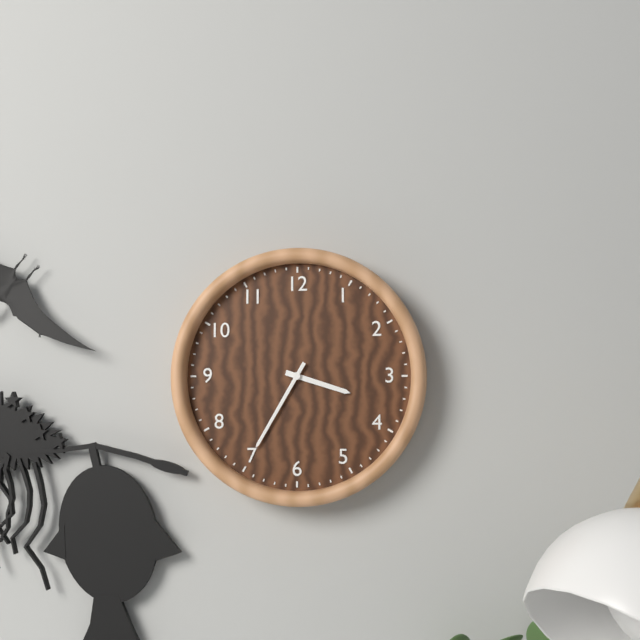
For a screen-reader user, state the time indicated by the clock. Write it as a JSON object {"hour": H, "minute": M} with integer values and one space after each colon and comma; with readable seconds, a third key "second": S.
{"hour": 3, "minute": 35}
